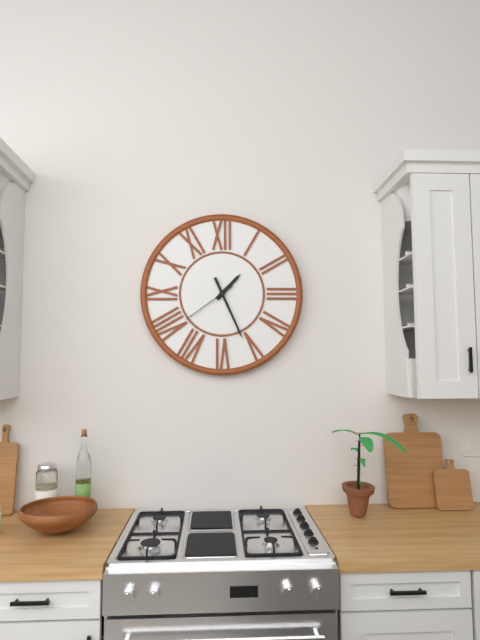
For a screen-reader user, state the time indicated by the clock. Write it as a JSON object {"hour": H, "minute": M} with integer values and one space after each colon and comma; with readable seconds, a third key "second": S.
{"hour": 1, "minute": 26, "second": 39}
